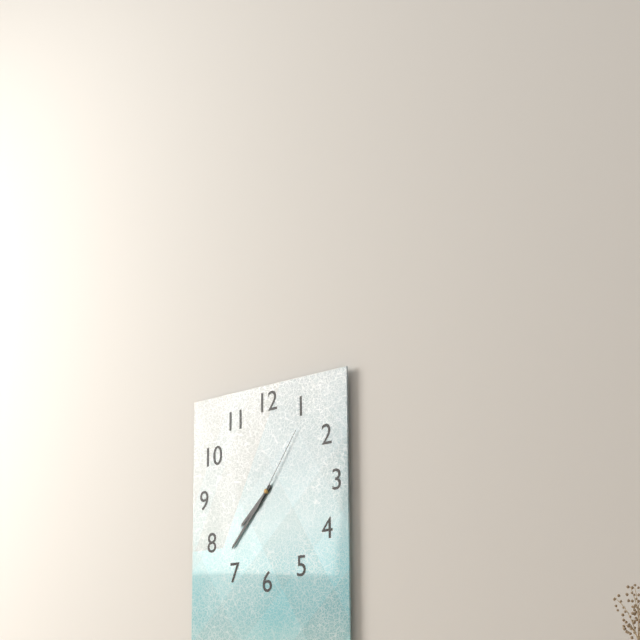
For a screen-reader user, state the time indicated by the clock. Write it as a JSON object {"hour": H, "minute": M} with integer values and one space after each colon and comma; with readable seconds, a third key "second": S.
{"hour": 7, "minute": 37, "second": 6}
